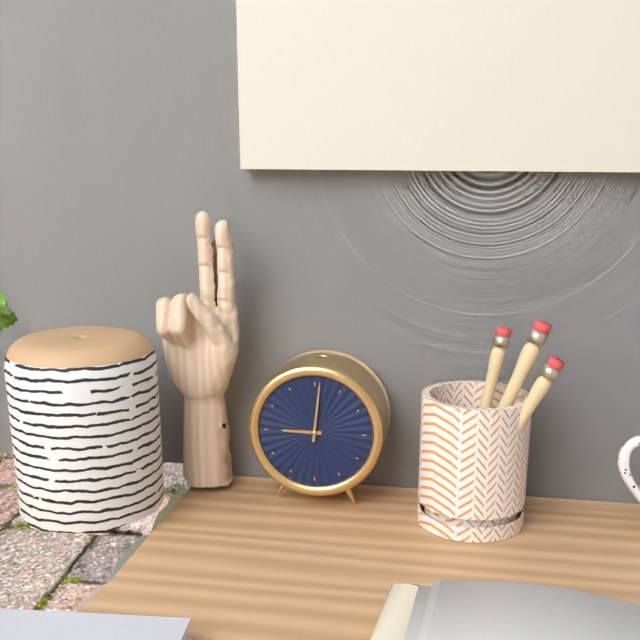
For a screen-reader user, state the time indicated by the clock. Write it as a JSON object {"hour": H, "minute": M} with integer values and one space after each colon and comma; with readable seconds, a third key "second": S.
{"hour": 9, "minute": 1}
